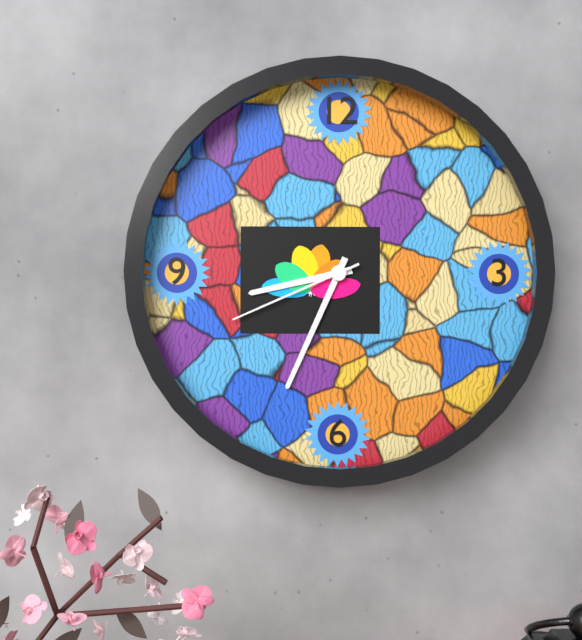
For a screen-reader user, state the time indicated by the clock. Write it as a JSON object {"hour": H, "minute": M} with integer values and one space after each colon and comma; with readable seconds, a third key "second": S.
{"hour": 8, "minute": 34, "second": 41}
